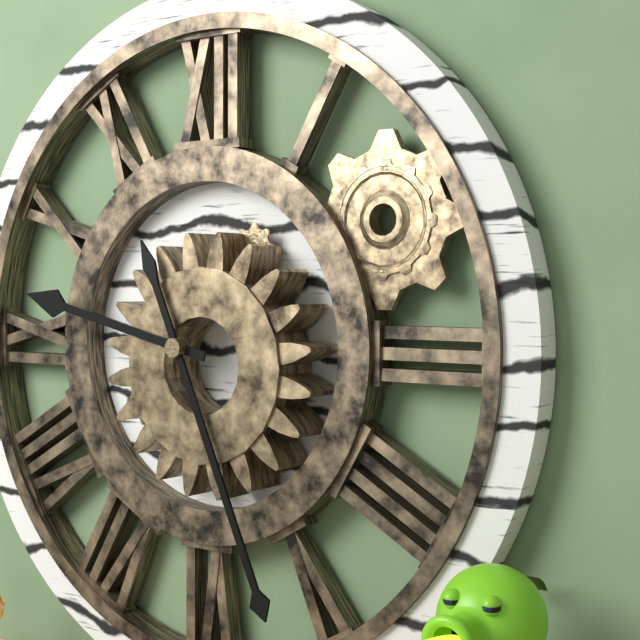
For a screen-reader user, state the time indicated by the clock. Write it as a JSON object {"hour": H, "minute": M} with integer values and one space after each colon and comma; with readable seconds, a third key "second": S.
{"hour": 9, "minute": 26}
